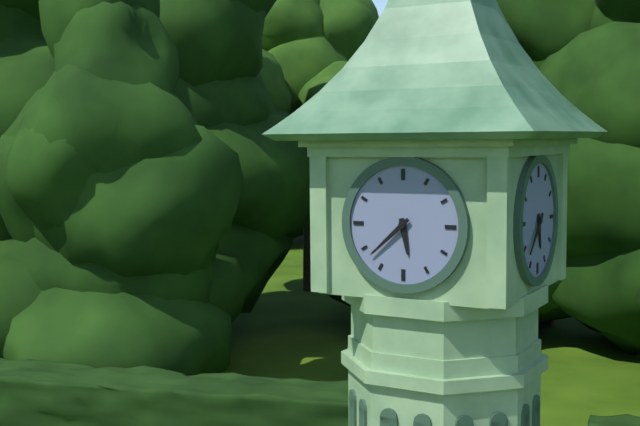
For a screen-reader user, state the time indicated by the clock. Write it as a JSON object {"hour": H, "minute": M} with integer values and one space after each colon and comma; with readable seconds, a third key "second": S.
{"hour": 5, "minute": 38}
